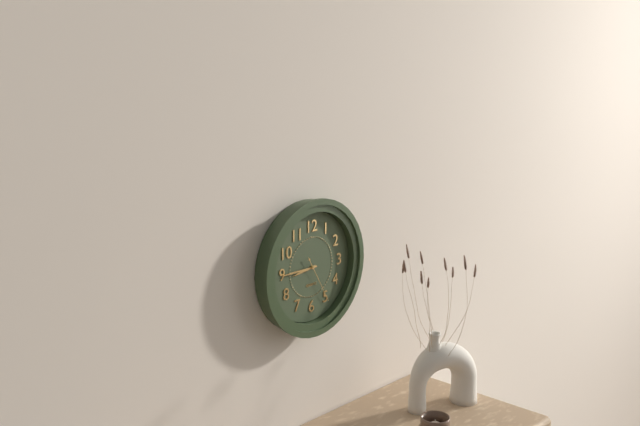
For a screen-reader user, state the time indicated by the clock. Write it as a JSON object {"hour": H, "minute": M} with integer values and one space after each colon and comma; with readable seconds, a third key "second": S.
{"hour": 8, "minute": 45}
